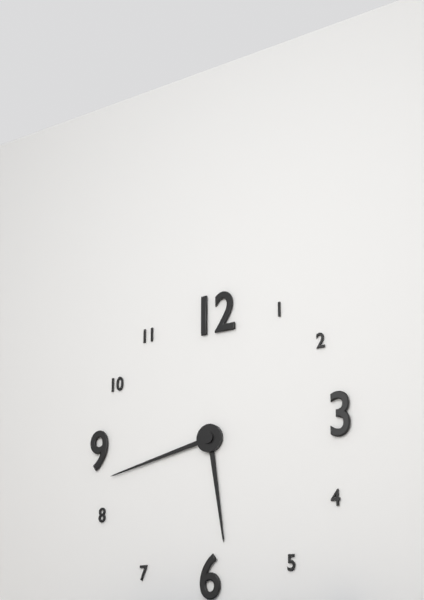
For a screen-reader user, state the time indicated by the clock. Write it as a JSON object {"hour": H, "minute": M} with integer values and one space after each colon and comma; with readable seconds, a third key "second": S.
{"hour": 5, "minute": 43}
